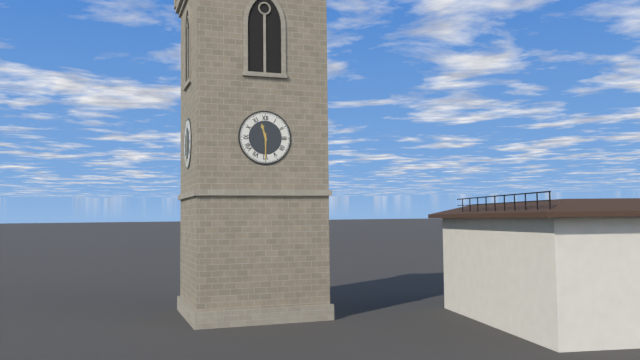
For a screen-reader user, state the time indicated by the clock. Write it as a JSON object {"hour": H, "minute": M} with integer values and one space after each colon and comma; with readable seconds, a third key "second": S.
{"hour": 11, "minute": 30}
